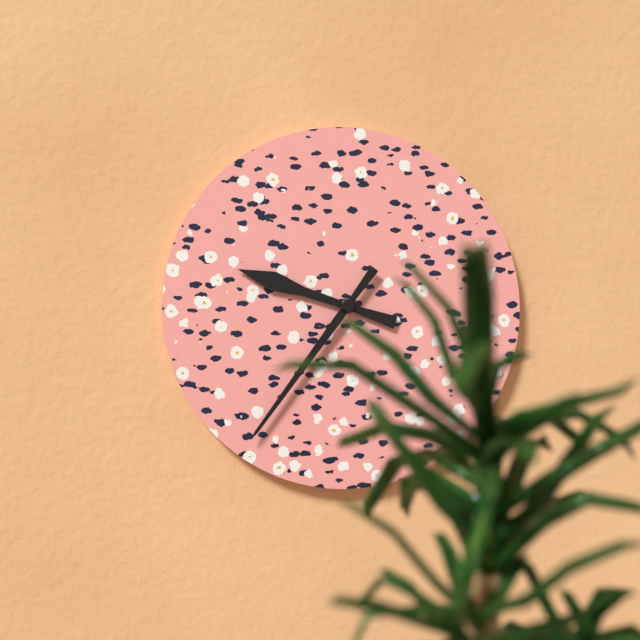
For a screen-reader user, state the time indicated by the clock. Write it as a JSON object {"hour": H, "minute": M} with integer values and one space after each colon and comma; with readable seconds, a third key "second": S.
{"hour": 9, "minute": 36}
